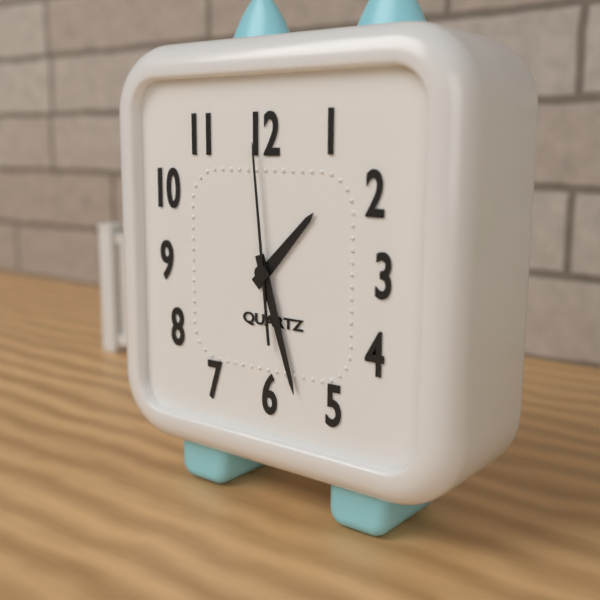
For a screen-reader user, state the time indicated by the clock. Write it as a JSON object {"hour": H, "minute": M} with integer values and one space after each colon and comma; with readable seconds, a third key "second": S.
{"hour": 1, "minute": 27, "second": 59}
